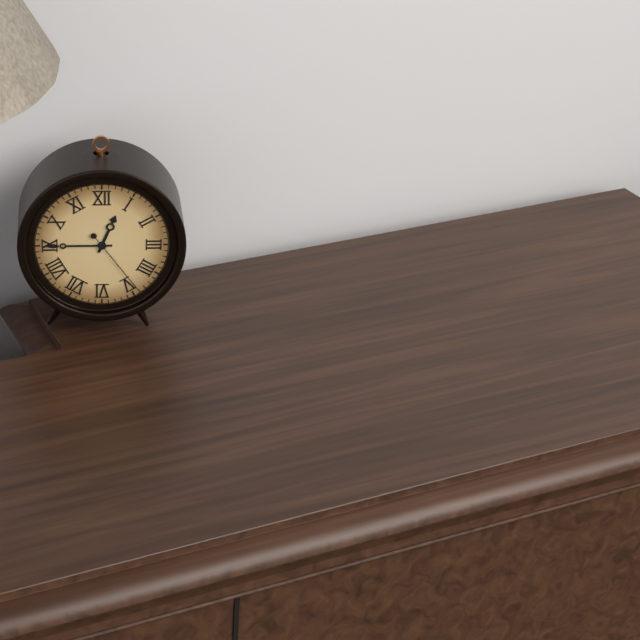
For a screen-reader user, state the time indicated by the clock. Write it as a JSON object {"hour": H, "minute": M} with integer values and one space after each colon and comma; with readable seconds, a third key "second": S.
{"hour": 12, "minute": 45, "second": 24}
